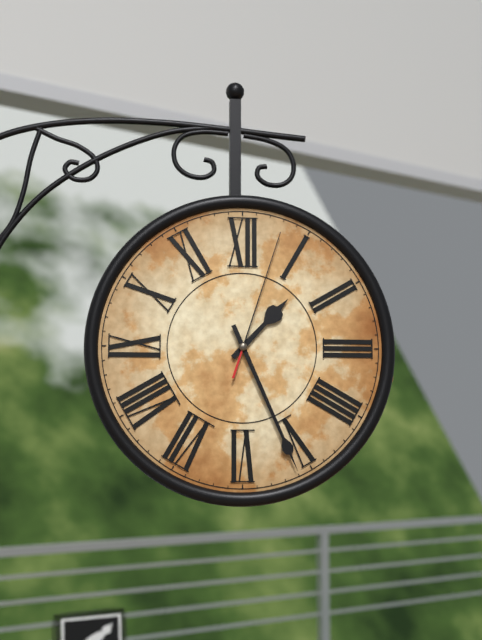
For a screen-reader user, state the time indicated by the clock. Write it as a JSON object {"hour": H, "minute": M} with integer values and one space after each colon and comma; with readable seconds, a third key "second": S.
{"hour": 1, "minute": 26, "second": 3}
